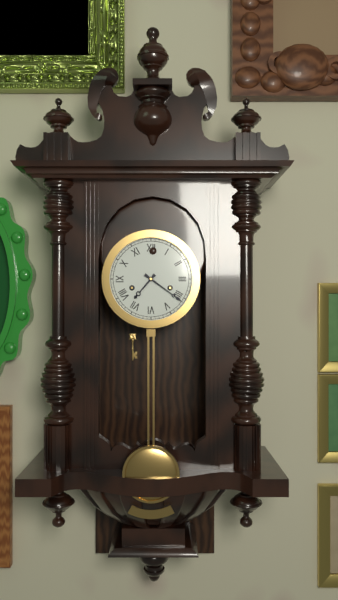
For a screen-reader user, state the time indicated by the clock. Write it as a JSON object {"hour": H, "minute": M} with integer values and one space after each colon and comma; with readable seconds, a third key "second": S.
{"hour": 7, "minute": 21}
